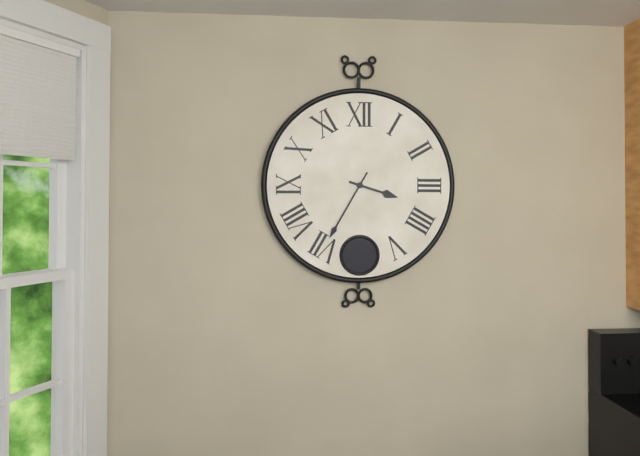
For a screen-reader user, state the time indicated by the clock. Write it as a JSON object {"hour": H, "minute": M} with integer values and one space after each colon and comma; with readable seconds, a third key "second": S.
{"hour": 3, "minute": 35}
